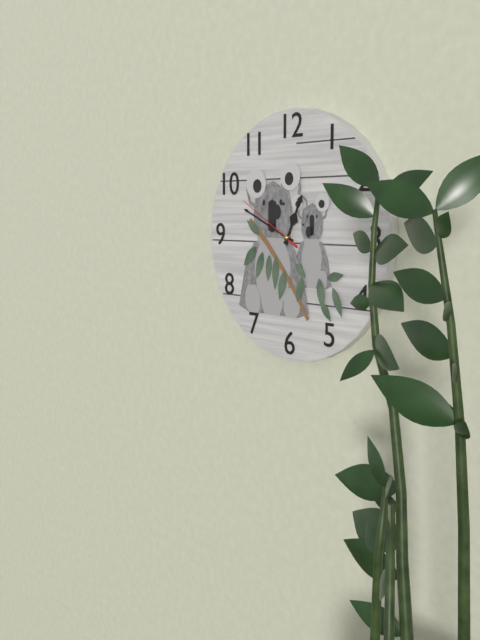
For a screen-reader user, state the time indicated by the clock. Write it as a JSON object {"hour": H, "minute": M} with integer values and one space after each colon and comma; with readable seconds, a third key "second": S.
{"hour": 12, "minute": 49, "second": 50}
